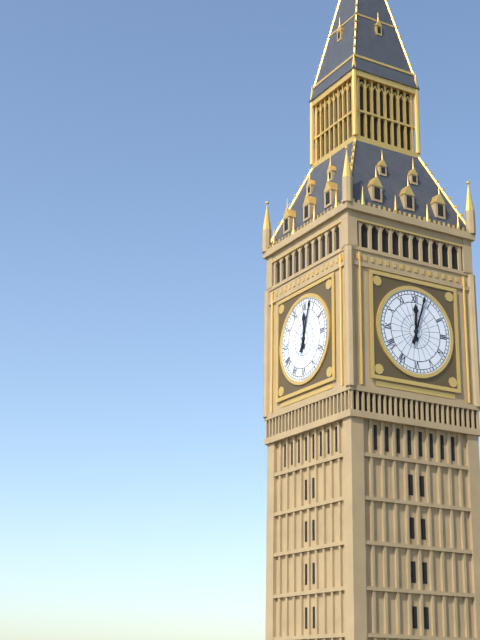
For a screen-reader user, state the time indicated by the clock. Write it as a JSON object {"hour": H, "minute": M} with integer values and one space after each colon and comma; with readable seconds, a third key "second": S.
{"hour": 12, "minute": 3}
